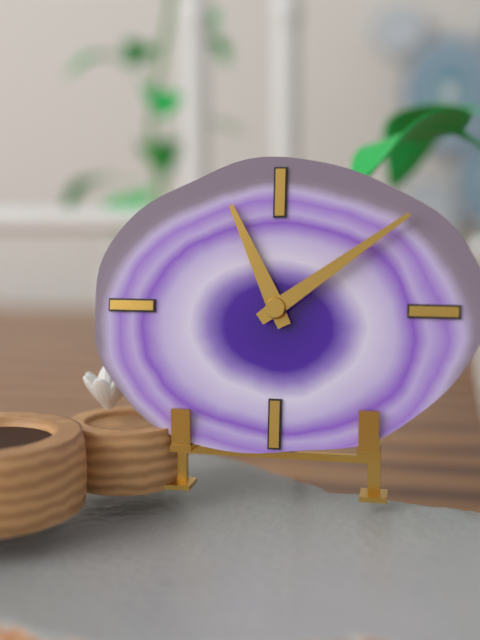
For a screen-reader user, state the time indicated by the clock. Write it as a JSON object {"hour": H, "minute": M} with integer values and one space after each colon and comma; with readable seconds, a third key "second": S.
{"hour": 11, "minute": 9}
